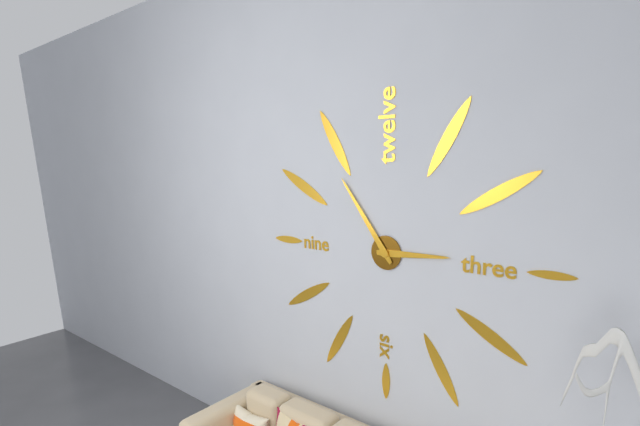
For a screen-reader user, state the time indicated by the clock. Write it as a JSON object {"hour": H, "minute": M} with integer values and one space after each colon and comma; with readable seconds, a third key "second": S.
{"hour": 2, "minute": 54}
